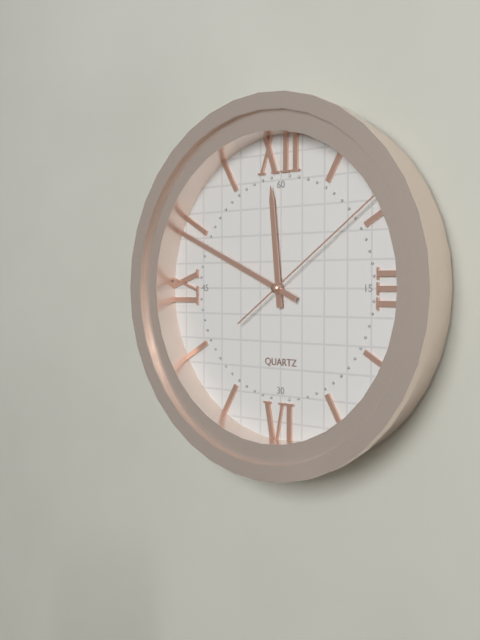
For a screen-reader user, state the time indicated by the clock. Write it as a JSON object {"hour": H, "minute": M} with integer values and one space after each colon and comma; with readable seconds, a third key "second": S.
{"hour": 11, "minute": 49, "second": 9}
